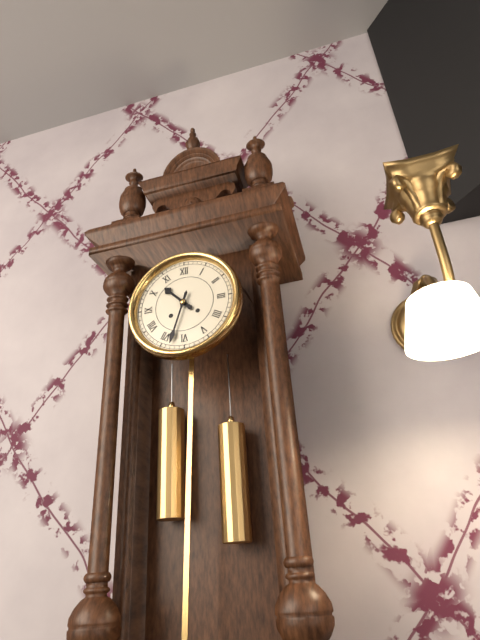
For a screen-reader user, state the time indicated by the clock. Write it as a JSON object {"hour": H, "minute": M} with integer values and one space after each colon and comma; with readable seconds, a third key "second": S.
{"hour": 10, "minute": 33}
